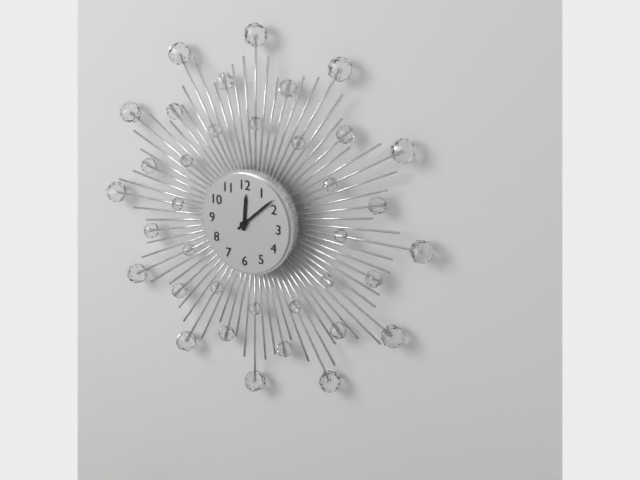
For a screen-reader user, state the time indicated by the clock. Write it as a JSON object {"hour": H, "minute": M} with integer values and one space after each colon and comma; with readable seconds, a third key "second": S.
{"hour": 12, "minute": 8}
